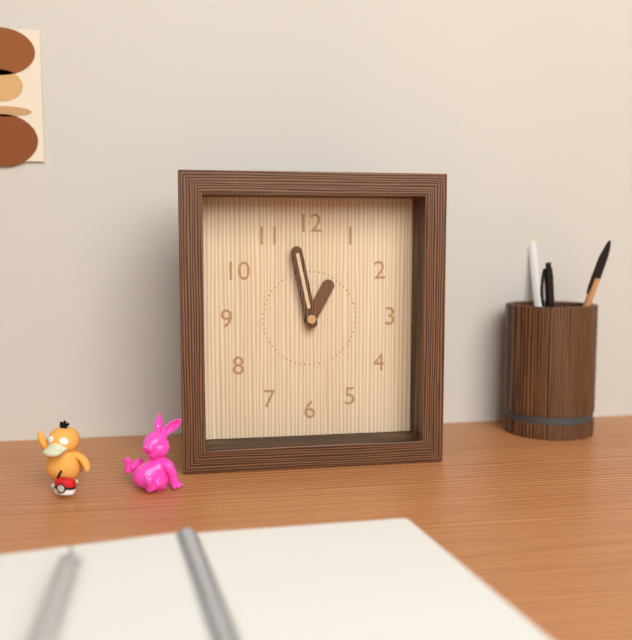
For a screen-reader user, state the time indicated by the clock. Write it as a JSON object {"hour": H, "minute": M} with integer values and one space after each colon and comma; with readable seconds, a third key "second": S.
{"hour": 12, "minute": 58}
